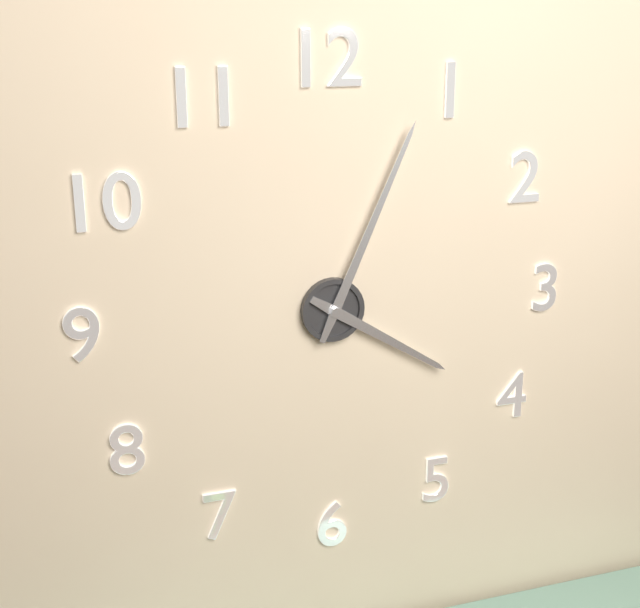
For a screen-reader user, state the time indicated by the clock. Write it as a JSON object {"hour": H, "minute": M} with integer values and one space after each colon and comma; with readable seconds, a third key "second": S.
{"hour": 4, "minute": 4}
